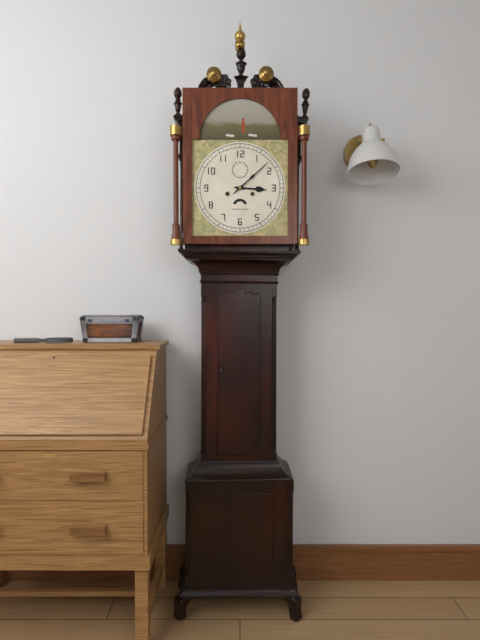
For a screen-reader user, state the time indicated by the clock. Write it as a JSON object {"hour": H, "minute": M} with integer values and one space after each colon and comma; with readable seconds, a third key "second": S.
{"hour": 3, "minute": 8}
